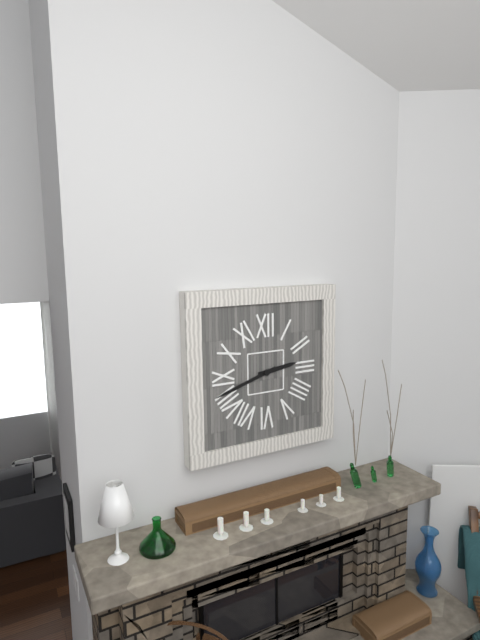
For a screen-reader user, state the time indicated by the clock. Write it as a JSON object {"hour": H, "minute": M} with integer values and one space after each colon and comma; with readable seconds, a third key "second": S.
{"hour": 2, "minute": 42}
